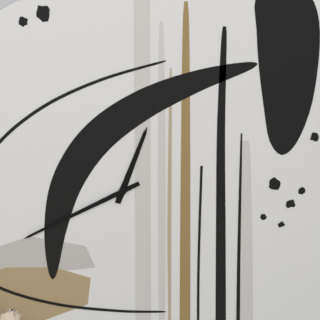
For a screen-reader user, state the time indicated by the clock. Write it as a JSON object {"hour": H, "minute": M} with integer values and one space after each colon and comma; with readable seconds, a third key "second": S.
{"hour": 12, "minute": 41}
